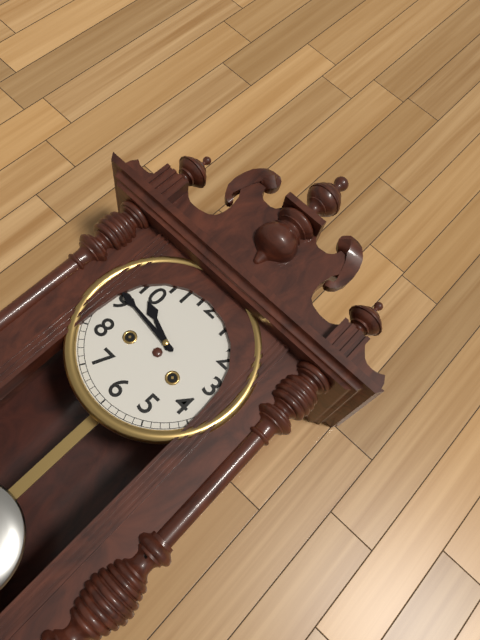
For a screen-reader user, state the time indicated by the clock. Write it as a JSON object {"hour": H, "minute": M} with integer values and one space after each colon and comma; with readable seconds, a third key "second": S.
{"hour": 9, "minute": 46}
